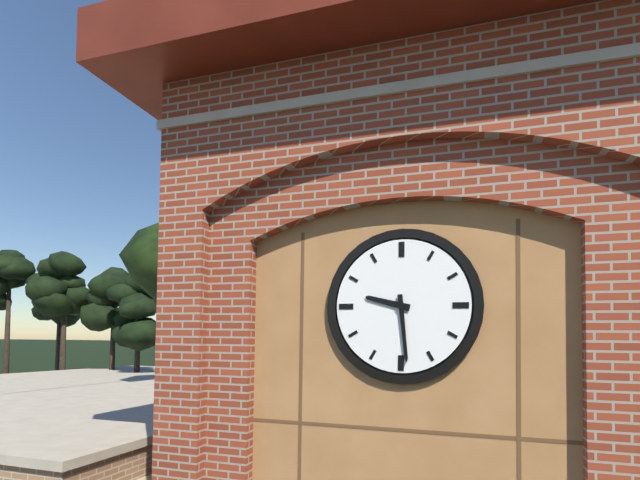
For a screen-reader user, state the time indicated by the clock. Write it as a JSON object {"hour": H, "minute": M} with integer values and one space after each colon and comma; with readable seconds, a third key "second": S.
{"hour": 9, "minute": 29}
